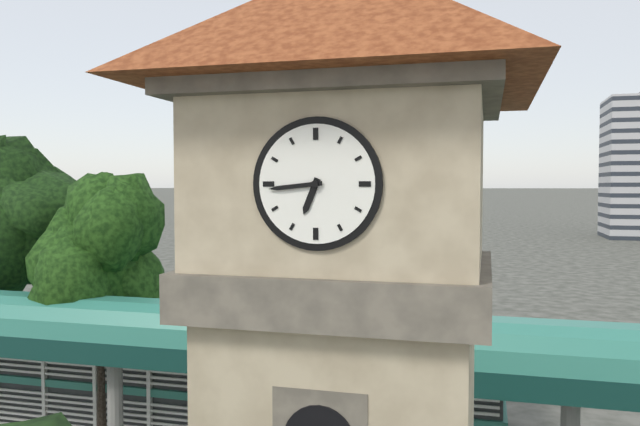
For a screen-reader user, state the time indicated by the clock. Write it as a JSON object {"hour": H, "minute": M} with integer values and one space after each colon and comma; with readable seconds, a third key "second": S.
{"hour": 6, "minute": 44}
